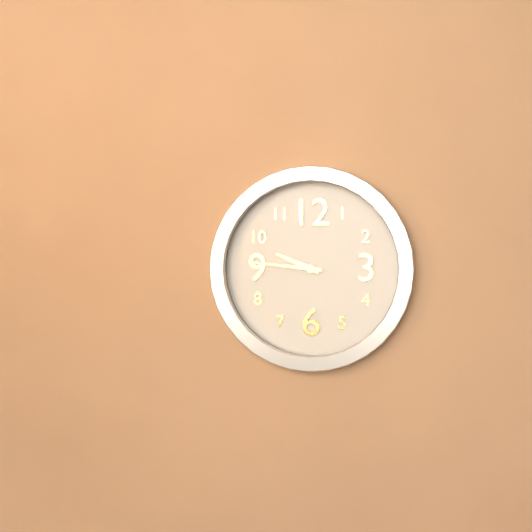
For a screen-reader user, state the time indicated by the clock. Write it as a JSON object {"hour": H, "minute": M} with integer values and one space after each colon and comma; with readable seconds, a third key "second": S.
{"hour": 9, "minute": 46}
